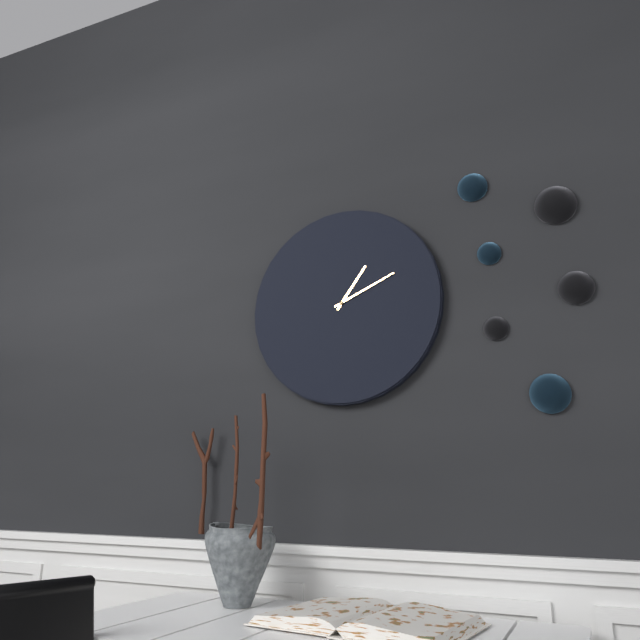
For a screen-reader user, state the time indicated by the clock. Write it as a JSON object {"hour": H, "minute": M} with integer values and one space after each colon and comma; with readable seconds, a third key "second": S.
{"hour": 1, "minute": 11}
